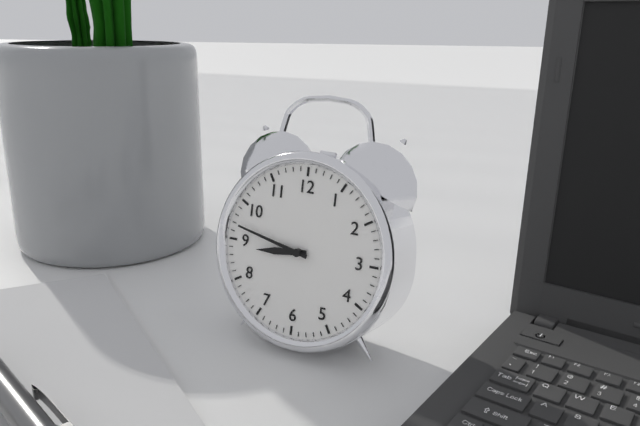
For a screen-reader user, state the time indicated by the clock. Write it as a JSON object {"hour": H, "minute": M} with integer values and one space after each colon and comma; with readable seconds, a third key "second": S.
{"hour": 8, "minute": 47}
